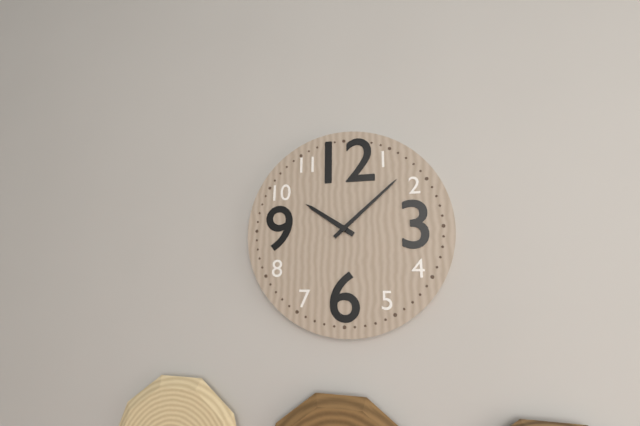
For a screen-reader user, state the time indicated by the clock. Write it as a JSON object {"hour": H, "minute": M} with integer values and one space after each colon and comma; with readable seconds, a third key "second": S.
{"hour": 10, "minute": 8}
